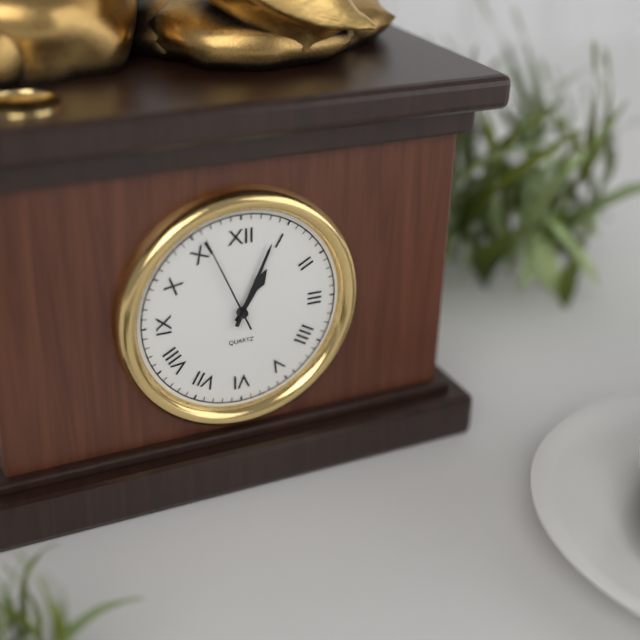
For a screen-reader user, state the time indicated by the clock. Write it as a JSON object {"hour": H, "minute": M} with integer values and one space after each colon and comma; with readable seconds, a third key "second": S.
{"hour": 1, "minute": 4, "second": 56}
